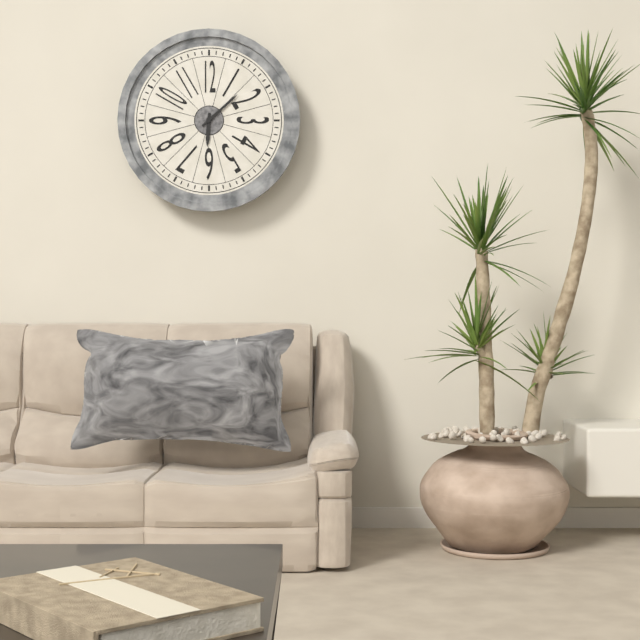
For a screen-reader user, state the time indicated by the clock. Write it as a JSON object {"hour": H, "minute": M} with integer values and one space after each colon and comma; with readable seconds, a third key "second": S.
{"hour": 6, "minute": 8}
